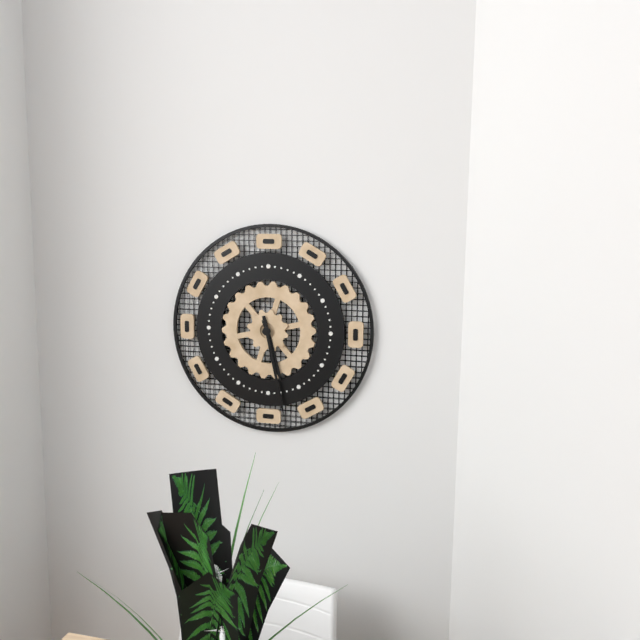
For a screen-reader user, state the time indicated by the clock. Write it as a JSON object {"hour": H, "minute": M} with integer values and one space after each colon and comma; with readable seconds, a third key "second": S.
{"hour": 5, "minute": 28}
